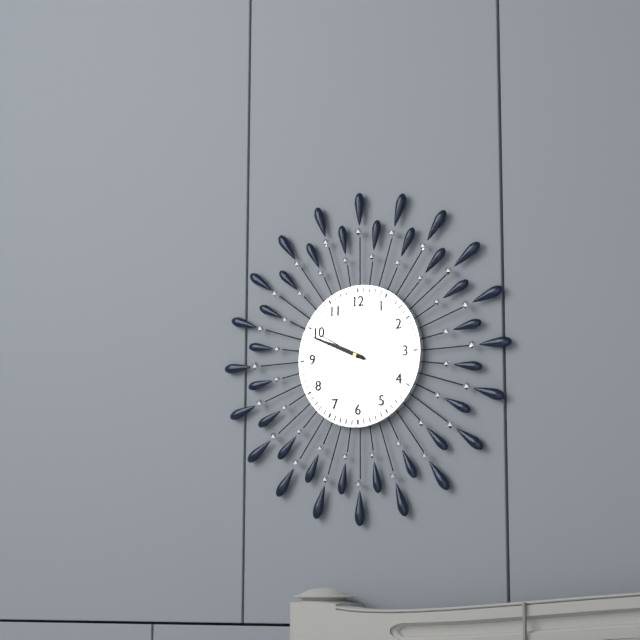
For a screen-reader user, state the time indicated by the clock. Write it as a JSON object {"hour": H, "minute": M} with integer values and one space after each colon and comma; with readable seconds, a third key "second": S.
{"hour": 9, "minute": 49}
